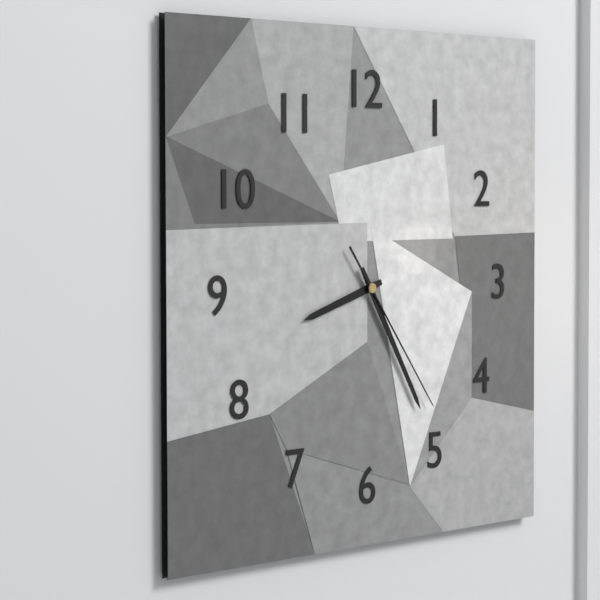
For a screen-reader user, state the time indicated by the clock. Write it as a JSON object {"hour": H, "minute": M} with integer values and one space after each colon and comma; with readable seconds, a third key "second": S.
{"hour": 8, "minute": 25, "second": 24}
